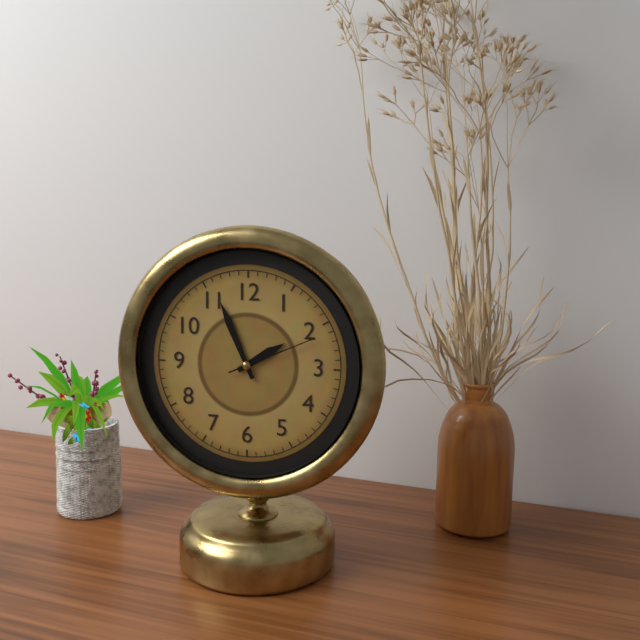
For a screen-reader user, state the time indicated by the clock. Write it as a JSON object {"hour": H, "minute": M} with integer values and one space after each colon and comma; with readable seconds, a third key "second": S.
{"hour": 1, "minute": 56, "second": 11}
